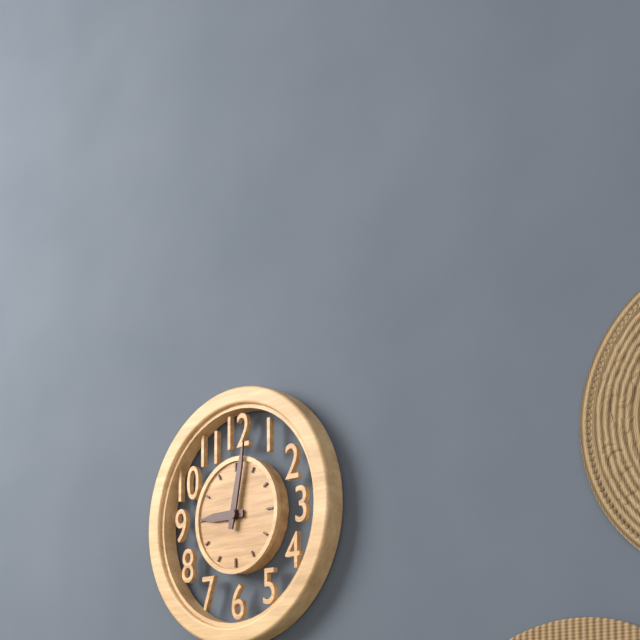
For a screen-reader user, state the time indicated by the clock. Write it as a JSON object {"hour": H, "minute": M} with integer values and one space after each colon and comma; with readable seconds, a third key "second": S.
{"hour": 9, "minute": 2}
